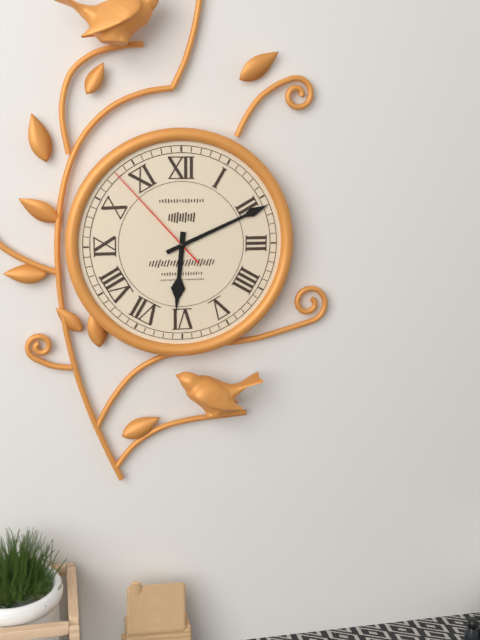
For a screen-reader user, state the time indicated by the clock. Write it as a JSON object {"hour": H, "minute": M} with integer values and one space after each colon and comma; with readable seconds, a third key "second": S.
{"hour": 6, "minute": 11, "second": 53}
